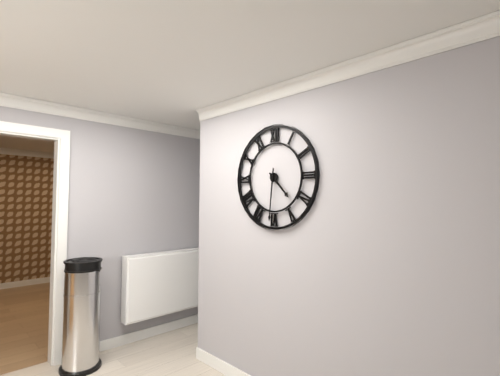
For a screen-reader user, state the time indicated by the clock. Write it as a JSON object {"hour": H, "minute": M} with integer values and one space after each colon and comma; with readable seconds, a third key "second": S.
{"hour": 4, "minute": 31}
